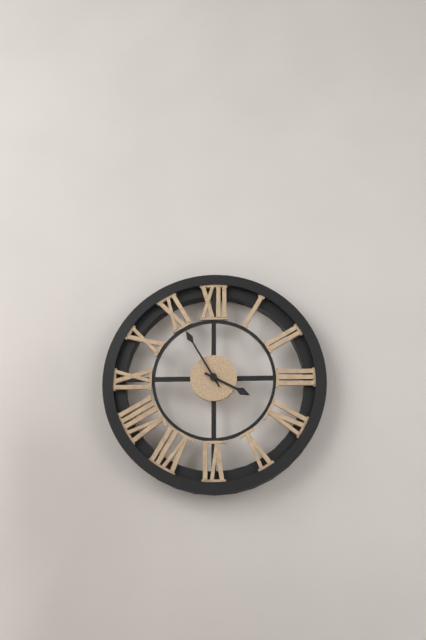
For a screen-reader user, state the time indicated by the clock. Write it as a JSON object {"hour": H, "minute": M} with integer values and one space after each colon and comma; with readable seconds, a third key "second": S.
{"hour": 3, "minute": 55}
